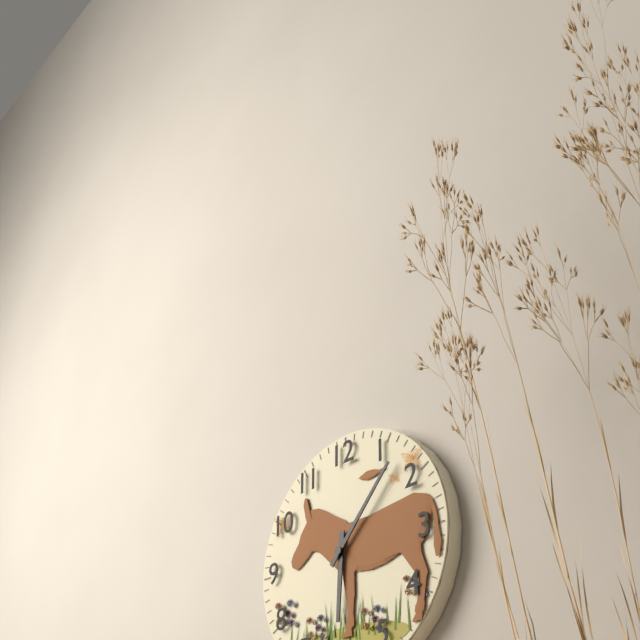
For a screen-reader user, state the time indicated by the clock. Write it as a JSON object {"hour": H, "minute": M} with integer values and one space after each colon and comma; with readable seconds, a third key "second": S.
{"hour": 6, "minute": 7}
